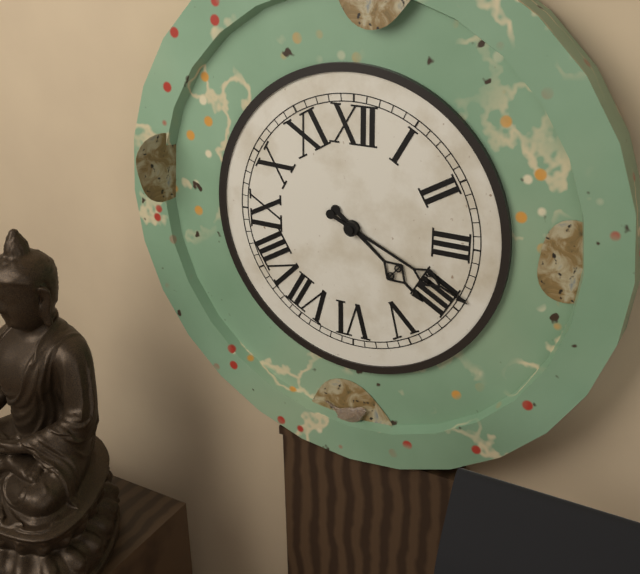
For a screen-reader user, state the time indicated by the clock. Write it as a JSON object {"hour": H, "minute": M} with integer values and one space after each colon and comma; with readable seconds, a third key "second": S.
{"hour": 4, "minute": 19}
